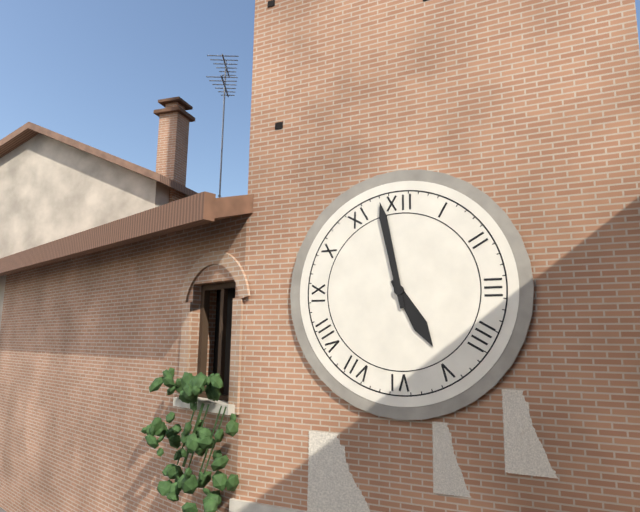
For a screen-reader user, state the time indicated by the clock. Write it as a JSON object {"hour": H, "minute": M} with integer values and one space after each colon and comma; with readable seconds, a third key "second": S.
{"hour": 4, "minute": 58}
